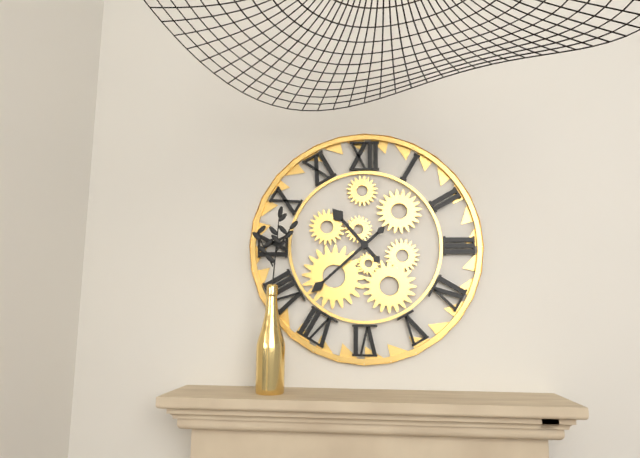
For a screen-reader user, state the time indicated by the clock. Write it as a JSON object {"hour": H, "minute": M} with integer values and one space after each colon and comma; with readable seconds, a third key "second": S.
{"hour": 10, "minute": 38}
